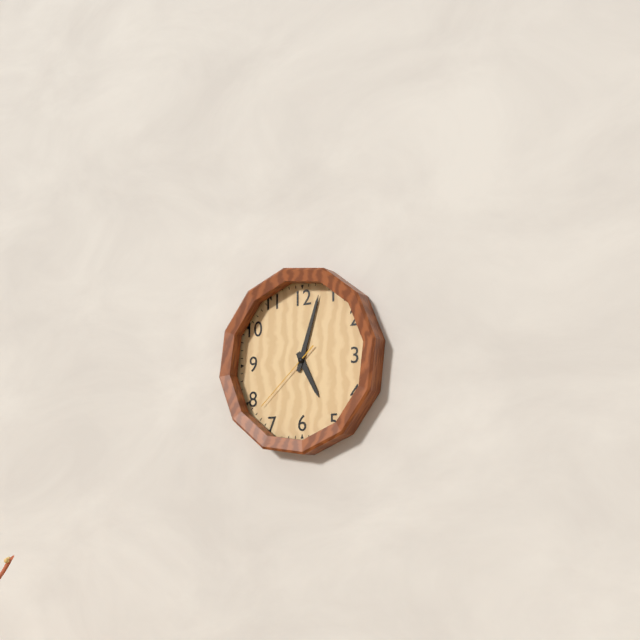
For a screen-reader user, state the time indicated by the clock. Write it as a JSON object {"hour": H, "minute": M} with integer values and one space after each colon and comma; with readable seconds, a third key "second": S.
{"hour": 5, "minute": 3, "second": 38}
